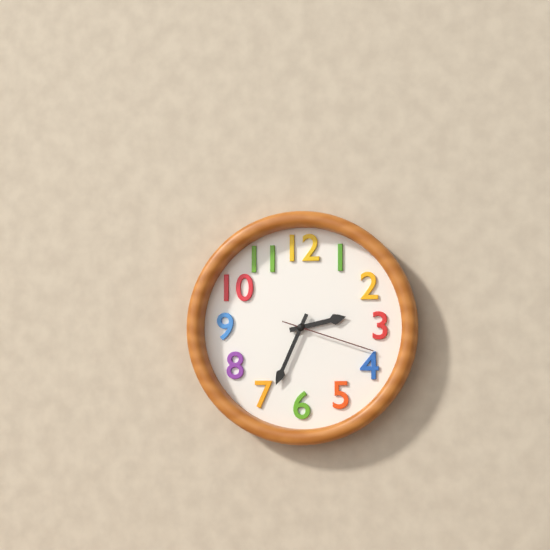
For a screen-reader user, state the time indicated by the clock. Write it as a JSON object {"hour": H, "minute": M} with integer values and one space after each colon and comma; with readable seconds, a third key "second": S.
{"hour": 2, "minute": 34, "second": 18}
